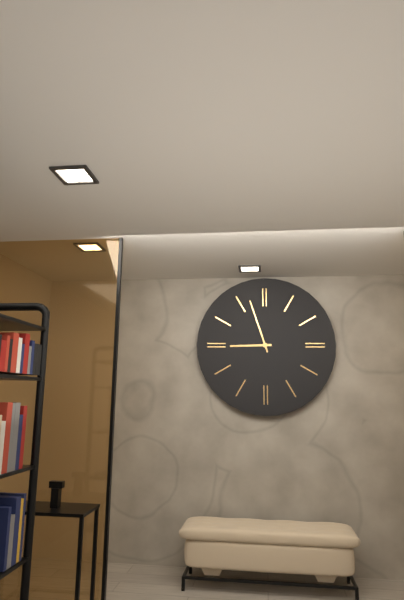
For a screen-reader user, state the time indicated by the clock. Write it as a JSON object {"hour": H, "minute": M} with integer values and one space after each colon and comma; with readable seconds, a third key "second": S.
{"hour": 8, "minute": 57}
